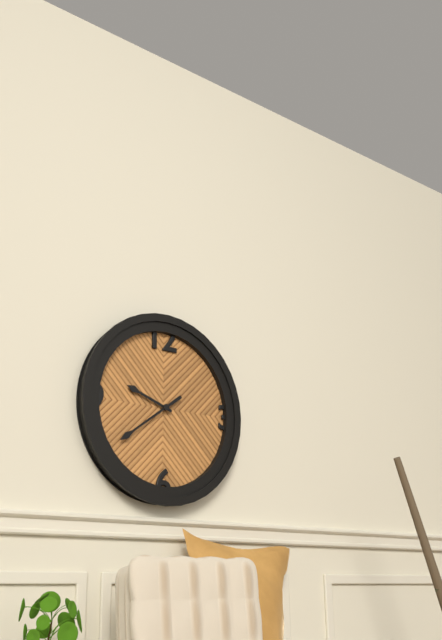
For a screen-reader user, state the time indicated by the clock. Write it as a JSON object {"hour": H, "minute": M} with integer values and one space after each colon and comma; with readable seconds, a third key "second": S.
{"hour": 9, "minute": 39}
